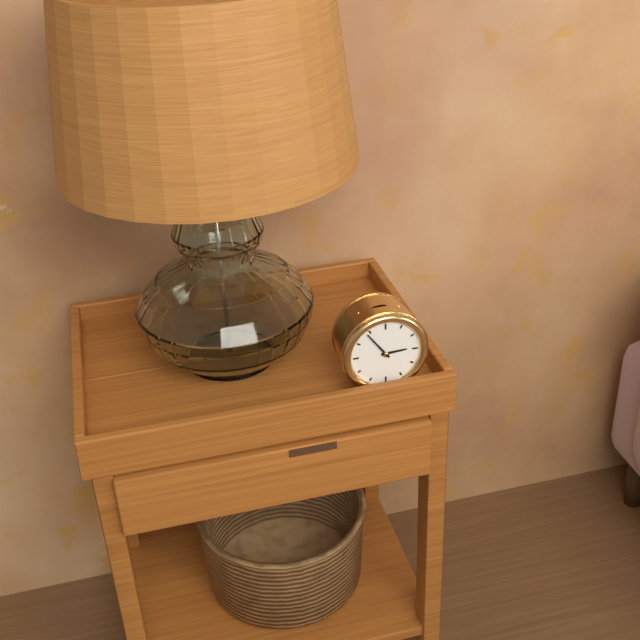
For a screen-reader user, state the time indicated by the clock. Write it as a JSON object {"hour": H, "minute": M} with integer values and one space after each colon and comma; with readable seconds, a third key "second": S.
{"hour": 2, "minute": 54}
